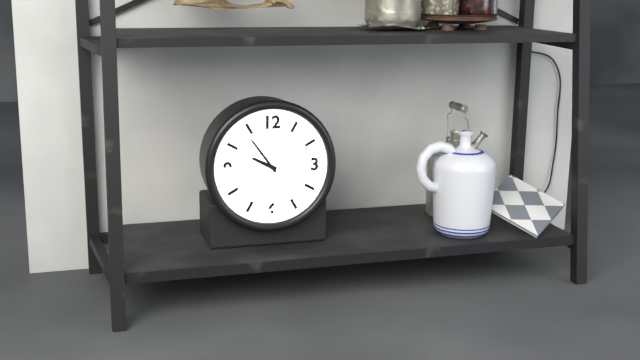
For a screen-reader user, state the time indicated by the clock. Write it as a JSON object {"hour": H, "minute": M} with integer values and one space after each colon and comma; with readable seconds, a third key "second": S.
{"hour": 9, "minute": 54}
